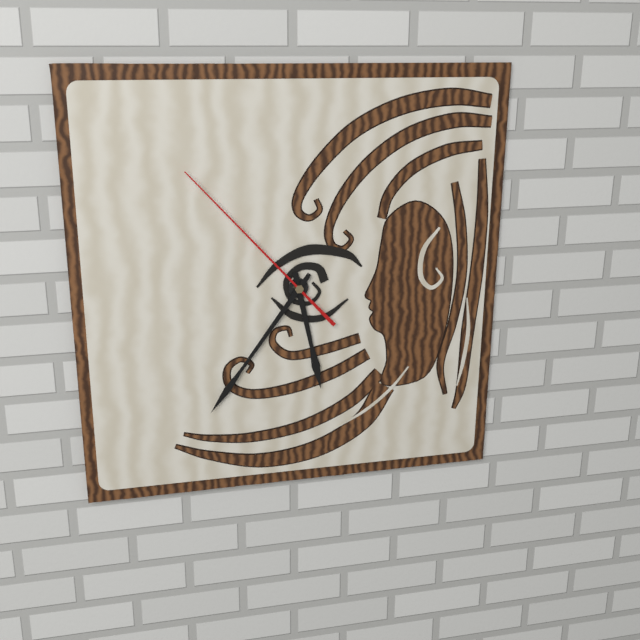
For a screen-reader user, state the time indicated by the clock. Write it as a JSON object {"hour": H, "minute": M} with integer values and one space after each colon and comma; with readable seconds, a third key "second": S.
{"hour": 5, "minute": 36, "second": 53}
